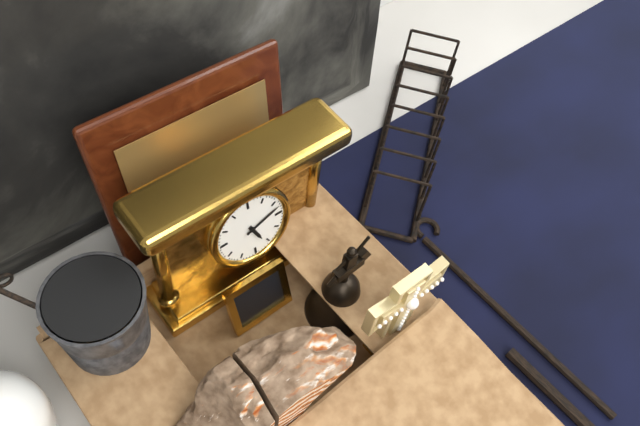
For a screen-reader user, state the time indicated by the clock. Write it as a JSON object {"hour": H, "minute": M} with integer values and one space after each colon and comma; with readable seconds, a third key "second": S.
{"hour": 5, "minute": 12}
